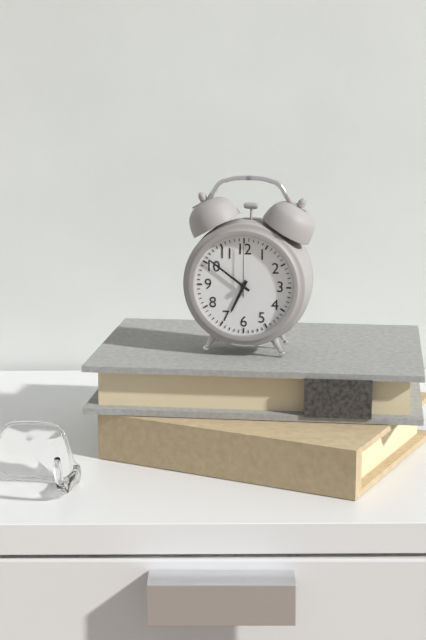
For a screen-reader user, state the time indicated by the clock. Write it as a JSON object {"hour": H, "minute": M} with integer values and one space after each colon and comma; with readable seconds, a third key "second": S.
{"hour": 6, "minute": 51, "second": 0}
